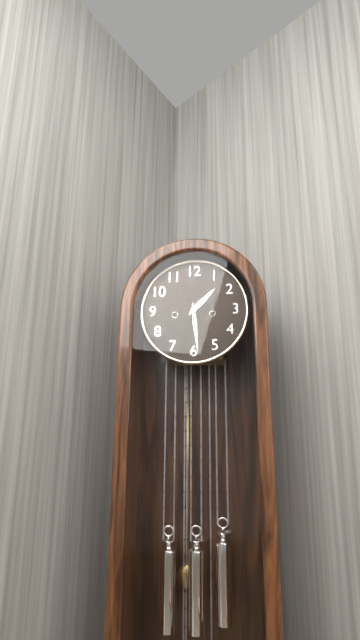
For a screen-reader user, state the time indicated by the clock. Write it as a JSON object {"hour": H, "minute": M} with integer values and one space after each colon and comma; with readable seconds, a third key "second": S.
{"hour": 1, "minute": 29}
